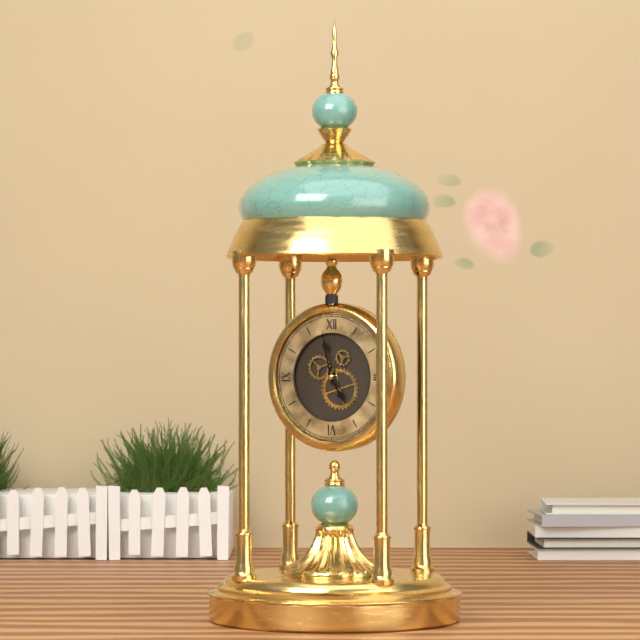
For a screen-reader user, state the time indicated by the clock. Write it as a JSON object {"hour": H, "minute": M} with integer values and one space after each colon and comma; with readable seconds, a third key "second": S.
{"hour": 4, "minute": 58}
